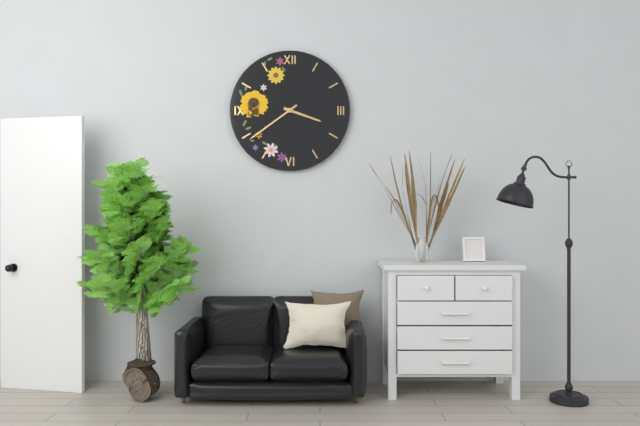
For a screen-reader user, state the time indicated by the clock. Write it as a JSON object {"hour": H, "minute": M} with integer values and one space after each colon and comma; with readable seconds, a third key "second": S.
{"hour": 3, "minute": 39}
